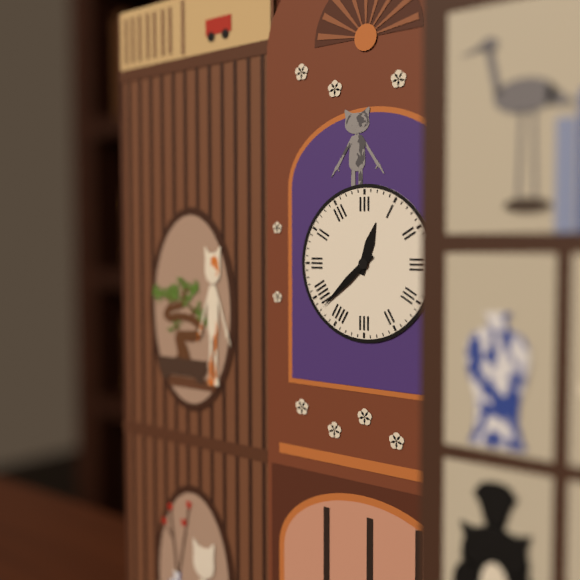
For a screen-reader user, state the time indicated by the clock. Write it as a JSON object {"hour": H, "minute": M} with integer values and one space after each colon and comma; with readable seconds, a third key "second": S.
{"hour": 12, "minute": 38}
